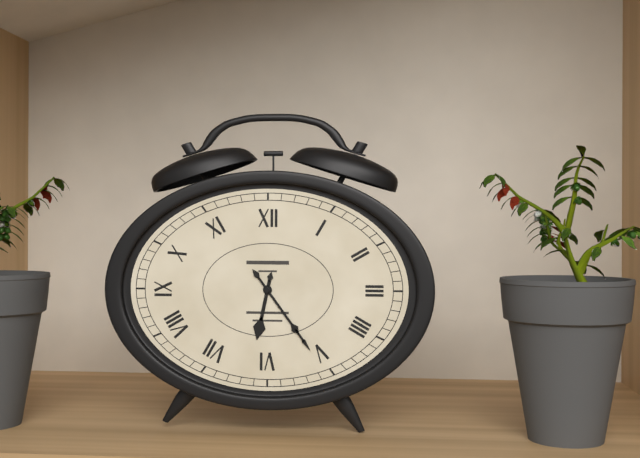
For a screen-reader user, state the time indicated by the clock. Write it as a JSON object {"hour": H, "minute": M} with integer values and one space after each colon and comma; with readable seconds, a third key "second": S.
{"hour": 6, "minute": 24}
